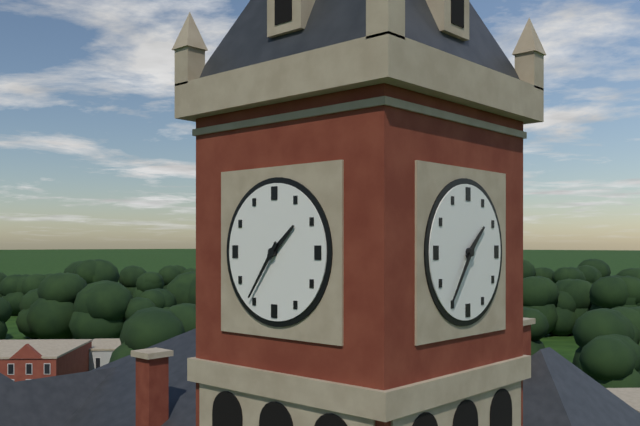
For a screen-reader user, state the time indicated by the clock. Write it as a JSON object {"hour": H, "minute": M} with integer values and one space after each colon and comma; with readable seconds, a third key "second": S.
{"hour": 1, "minute": 36}
